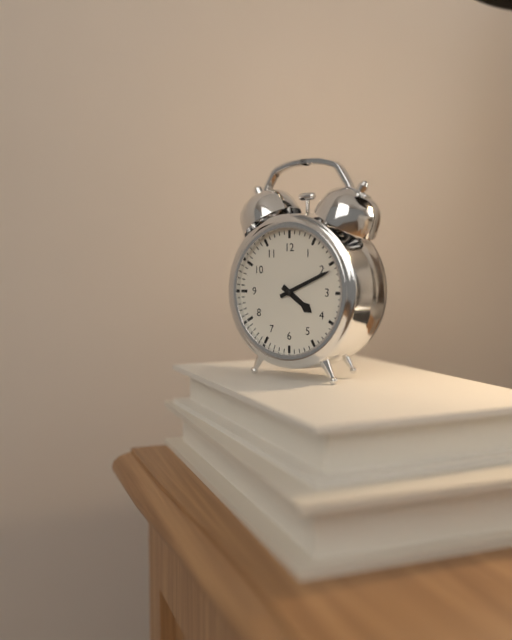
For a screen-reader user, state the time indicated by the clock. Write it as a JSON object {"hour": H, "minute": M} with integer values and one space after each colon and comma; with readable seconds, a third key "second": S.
{"hour": 4, "minute": 11}
